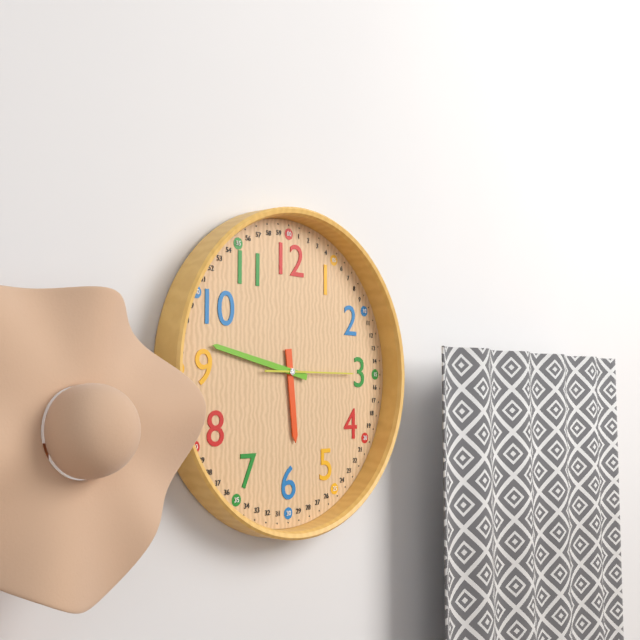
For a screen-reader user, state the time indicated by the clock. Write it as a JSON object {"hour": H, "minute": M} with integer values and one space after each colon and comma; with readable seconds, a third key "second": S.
{"hour": 5, "minute": 47, "second": 15}
